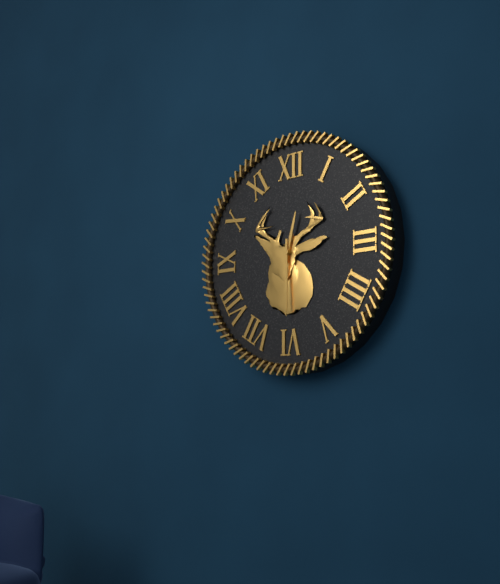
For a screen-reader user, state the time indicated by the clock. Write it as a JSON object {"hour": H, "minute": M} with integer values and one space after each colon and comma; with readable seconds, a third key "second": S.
{"hour": 12, "minute": 30}
